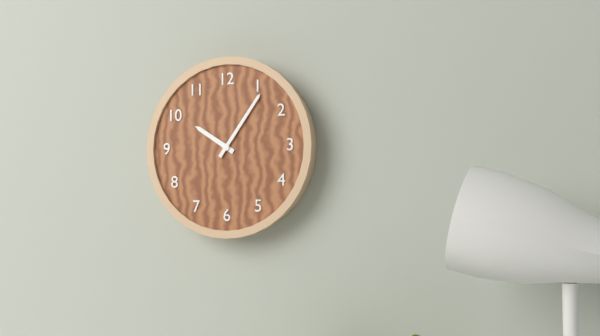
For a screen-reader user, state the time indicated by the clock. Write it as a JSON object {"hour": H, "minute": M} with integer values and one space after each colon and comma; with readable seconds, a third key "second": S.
{"hour": 10, "minute": 6}
